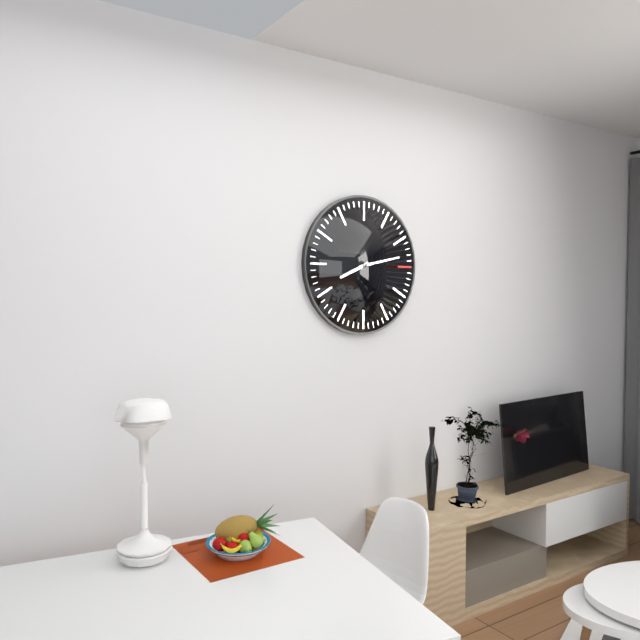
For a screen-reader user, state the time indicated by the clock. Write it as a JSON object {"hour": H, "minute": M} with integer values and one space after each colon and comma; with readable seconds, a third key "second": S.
{"hour": 8, "minute": 13}
